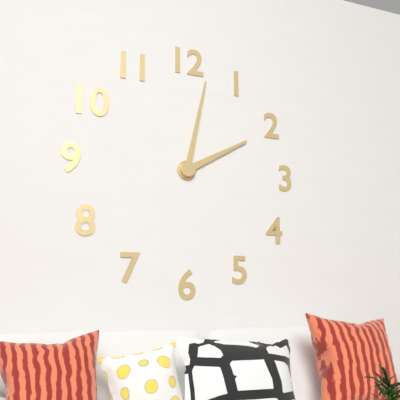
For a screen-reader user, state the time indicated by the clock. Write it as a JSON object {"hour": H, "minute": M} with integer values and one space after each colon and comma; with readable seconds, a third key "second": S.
{"hour": 2, "minute": 2}
